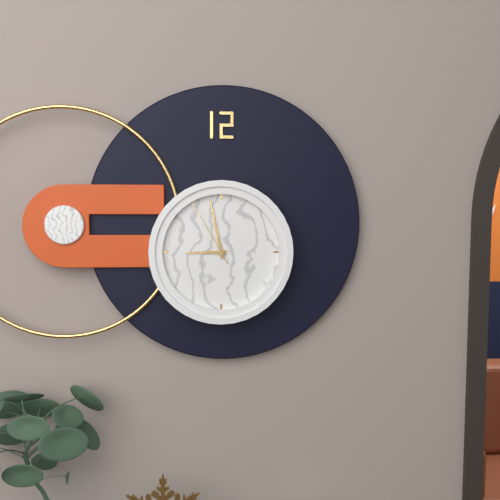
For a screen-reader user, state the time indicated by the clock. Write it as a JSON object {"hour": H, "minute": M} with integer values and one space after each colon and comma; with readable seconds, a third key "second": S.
{"hour": 8, "minute": 58, "second": 55}
